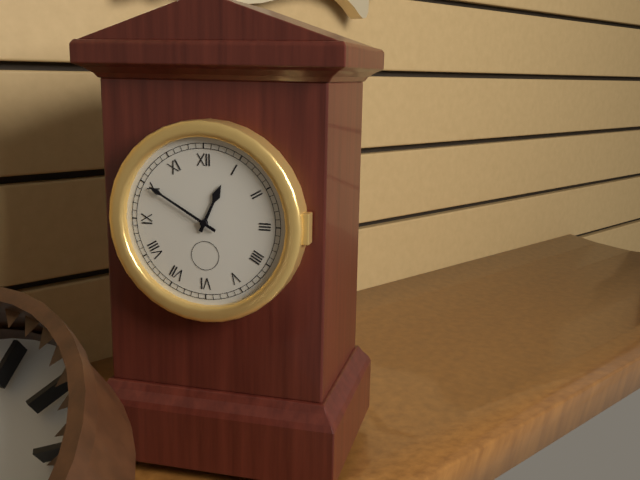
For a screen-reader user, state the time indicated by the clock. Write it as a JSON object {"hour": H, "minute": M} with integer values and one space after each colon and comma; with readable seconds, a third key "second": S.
{"hour": 12, "minute": 50}
